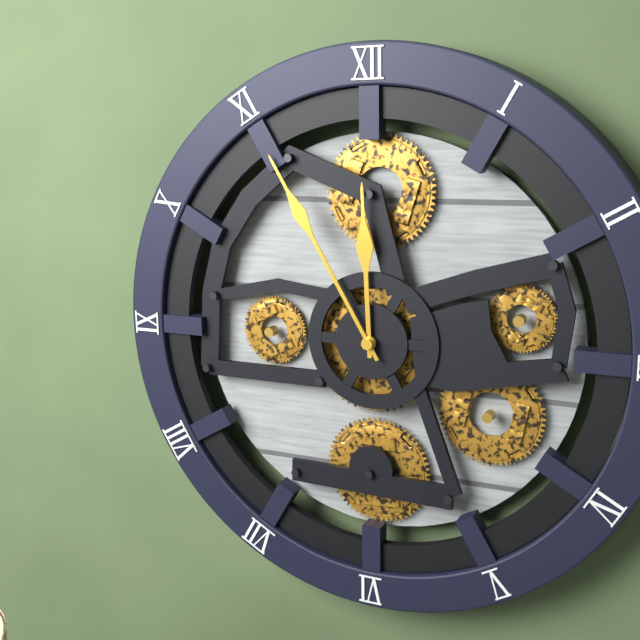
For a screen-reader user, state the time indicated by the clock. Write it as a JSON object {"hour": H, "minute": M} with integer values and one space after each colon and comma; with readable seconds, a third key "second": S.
{"hour": 11, "minute": 55}
